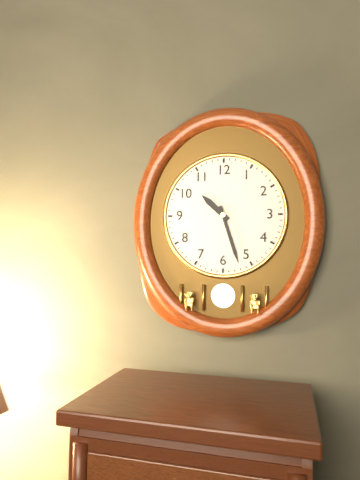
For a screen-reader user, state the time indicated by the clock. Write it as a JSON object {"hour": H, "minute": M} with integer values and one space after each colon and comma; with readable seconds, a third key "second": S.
{"hour": 10, "minute": 27}
